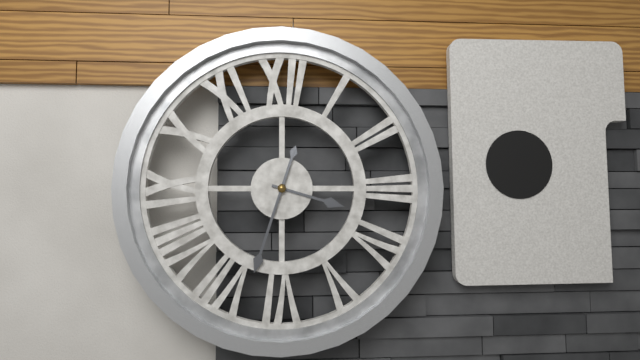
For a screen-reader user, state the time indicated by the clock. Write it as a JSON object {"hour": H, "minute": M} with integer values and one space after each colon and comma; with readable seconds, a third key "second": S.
{"hour": 3, "minute": 33}
